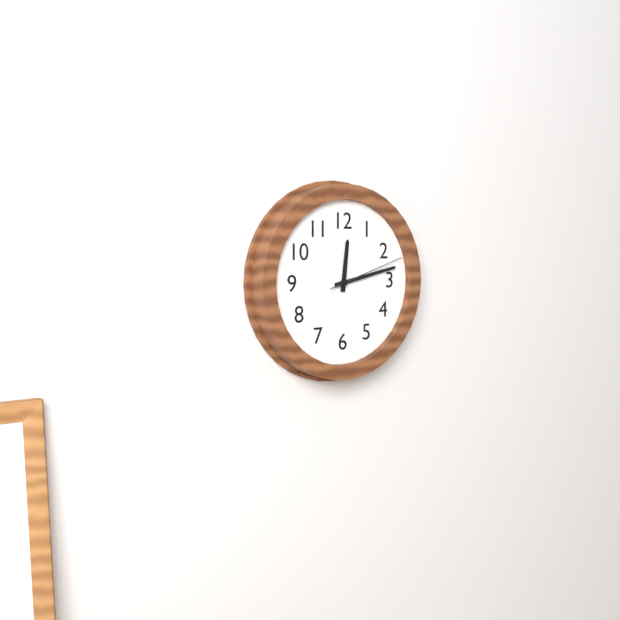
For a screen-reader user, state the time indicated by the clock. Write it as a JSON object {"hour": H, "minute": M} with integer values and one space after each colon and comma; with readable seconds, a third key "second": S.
{"hour": 12, "minute": 13, "second": 12}
